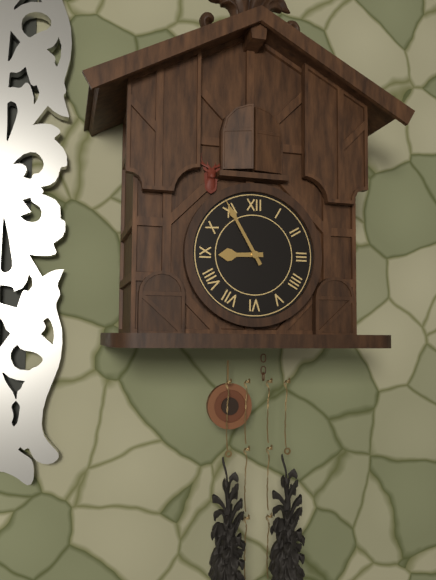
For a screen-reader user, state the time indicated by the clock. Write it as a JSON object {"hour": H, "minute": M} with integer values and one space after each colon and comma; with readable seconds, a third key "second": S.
{"hour": 8, "minute": 55}
